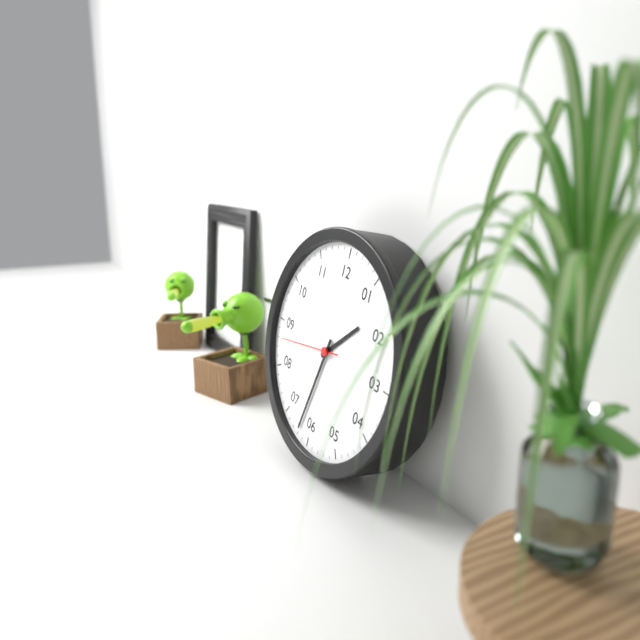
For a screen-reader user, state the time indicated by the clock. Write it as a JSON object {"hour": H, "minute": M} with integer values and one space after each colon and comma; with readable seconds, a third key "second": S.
{"hour": 1, "minute": 32, "second": 43}
